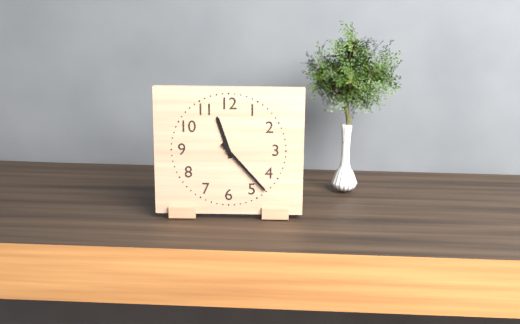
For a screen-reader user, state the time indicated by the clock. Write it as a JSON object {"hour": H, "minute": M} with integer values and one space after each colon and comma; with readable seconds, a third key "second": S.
{"hour": 11, "minute": 23}
